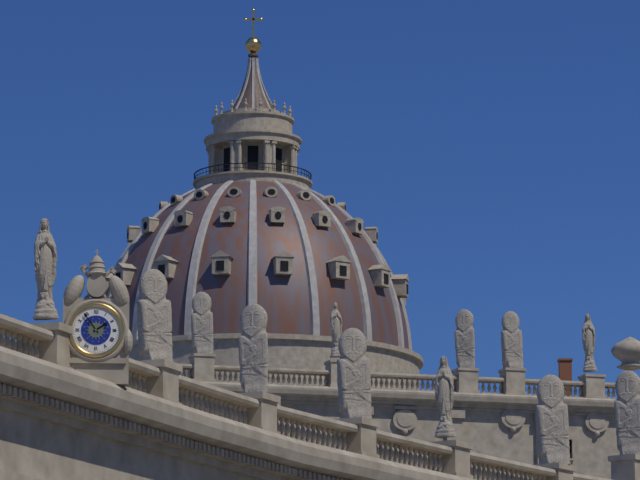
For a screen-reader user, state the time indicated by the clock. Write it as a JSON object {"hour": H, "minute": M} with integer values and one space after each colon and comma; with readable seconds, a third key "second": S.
{"hour": 1, "minute": 54}
